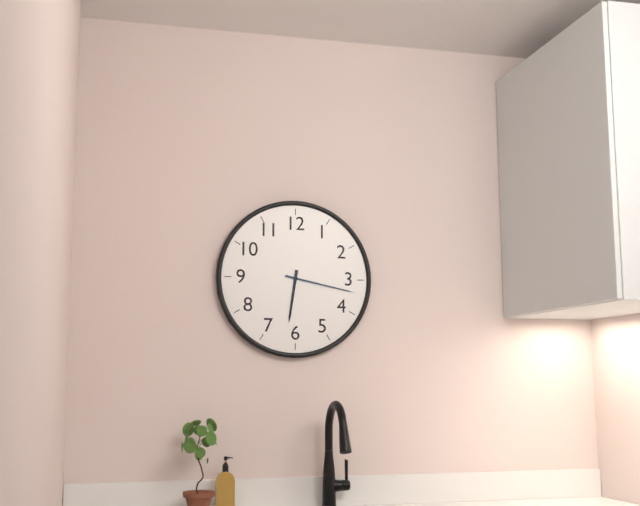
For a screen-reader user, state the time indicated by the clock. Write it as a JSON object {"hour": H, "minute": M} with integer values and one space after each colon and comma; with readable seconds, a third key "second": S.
{"hour": 6, "minute": 17}
